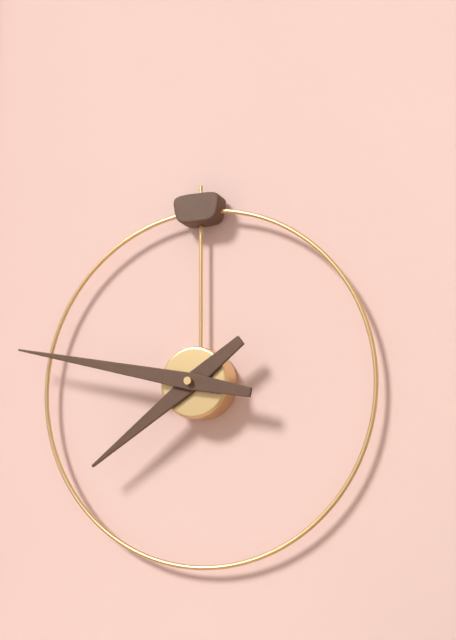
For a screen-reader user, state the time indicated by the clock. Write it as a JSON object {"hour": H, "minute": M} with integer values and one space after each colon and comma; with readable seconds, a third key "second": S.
{"hour": 7, "minute": 47}
